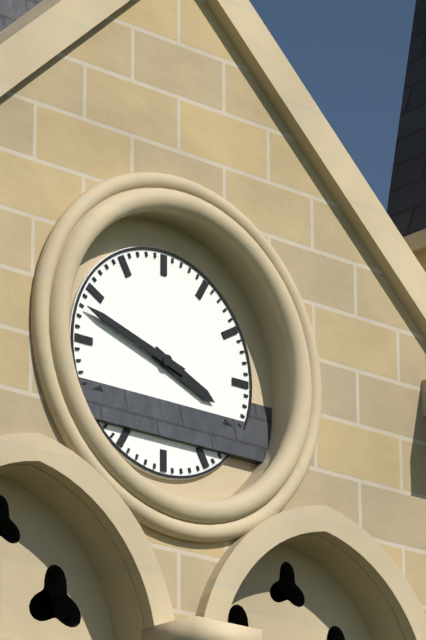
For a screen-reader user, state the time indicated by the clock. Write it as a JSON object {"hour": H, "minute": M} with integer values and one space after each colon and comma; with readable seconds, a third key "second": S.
{"hour": 3, "minute": 48}
